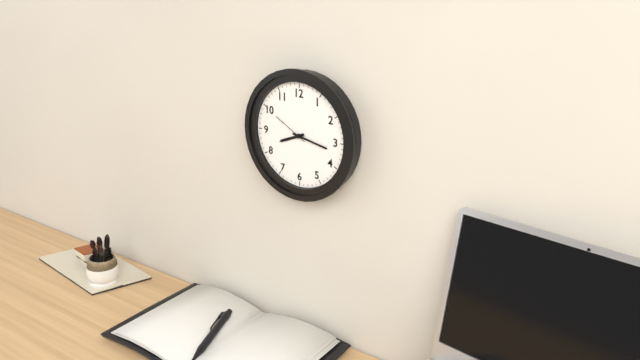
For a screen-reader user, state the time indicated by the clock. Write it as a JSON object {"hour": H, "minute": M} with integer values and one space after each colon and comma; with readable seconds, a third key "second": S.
{"hour": 8, "minute": 17}
